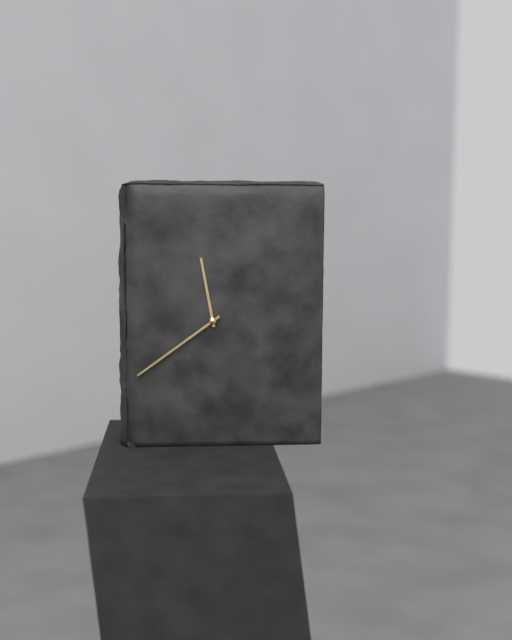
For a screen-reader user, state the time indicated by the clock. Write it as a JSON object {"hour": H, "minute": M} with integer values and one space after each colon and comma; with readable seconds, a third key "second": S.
{"hour": 11, "minute": 39}
